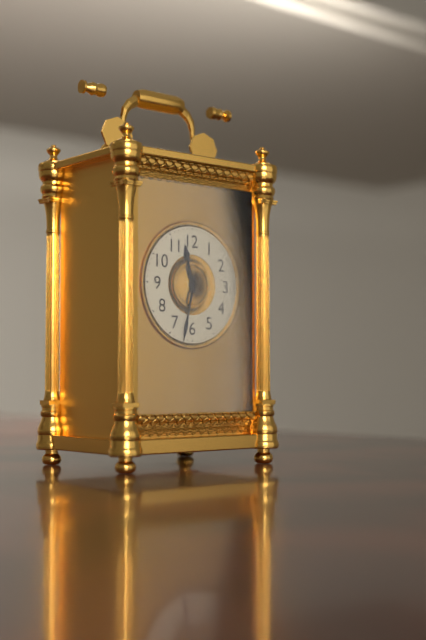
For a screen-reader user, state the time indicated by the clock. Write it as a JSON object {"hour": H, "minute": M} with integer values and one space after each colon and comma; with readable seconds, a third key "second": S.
{"hour": 11, "minute": 32}
